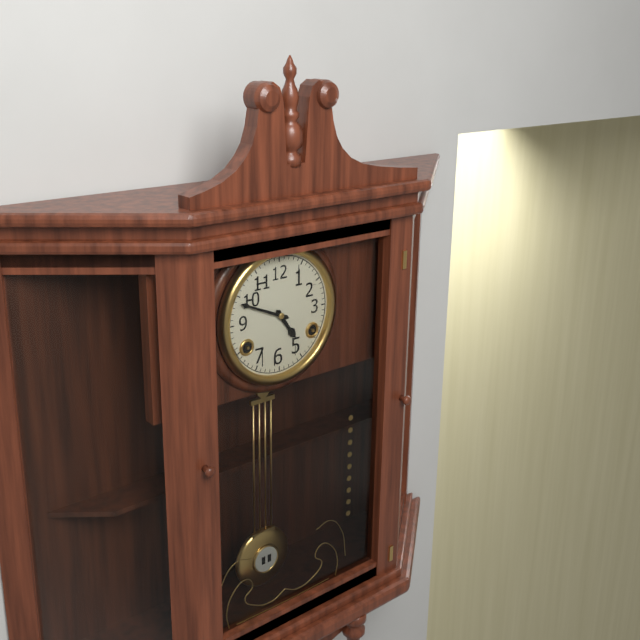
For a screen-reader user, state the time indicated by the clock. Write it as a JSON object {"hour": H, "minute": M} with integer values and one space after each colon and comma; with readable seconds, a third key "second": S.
{"hour": 4, "minute": 49}
